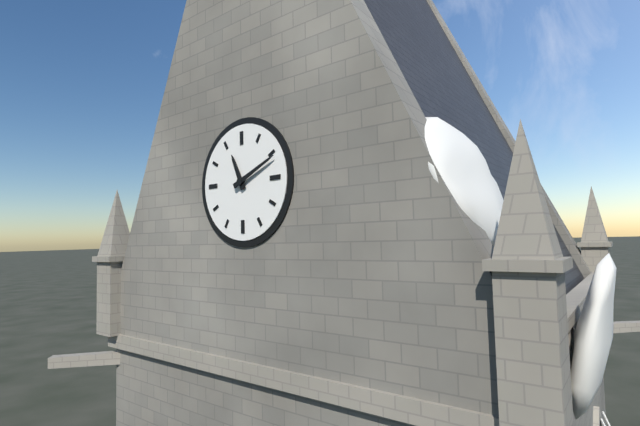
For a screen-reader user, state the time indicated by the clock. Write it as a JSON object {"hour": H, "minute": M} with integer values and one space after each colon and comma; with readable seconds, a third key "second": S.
{"hour": 11, "minute": 11}
